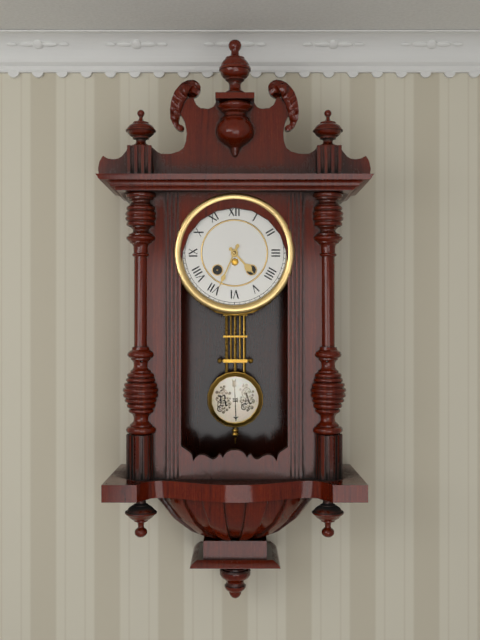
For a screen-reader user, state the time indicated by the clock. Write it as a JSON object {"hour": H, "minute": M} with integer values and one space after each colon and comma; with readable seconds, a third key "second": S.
{"hour": 4, "minute": 34}
